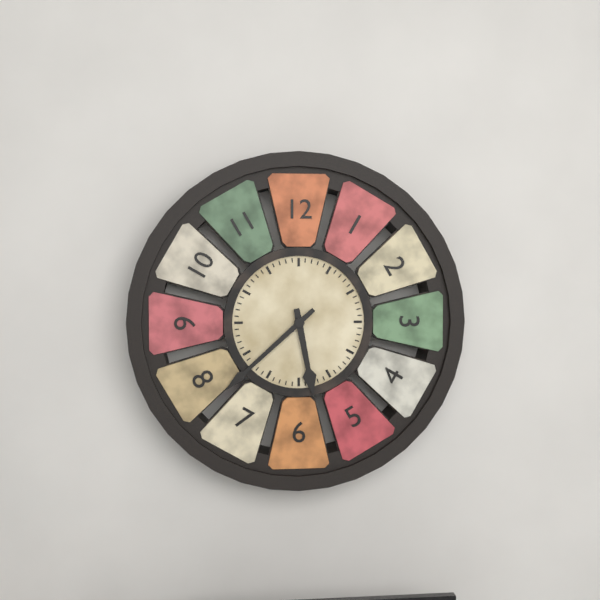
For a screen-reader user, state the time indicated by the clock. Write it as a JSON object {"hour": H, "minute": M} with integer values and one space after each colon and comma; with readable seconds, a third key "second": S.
{"hour": 5, "minute": 38}
